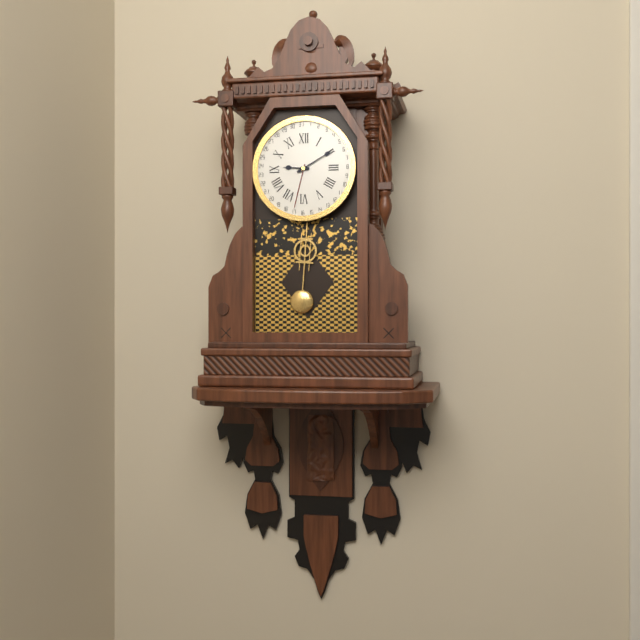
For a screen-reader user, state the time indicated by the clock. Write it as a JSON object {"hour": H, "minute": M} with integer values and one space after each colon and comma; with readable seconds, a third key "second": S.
{"hour": 9, "minute": 10}
